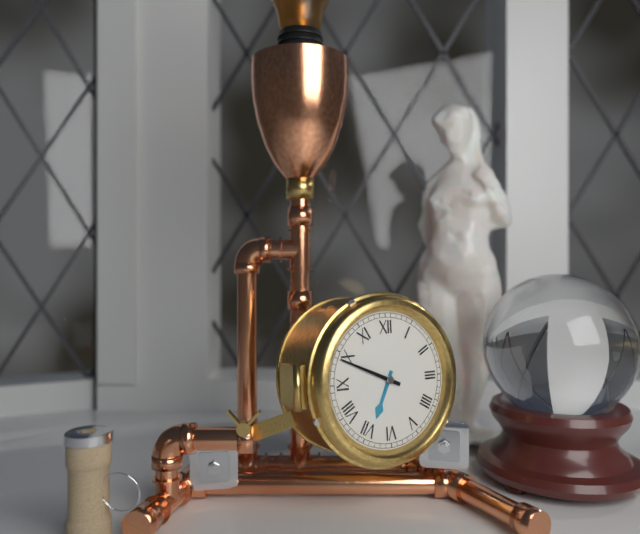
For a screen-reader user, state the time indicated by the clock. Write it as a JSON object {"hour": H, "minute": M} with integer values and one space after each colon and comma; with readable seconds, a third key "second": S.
{"hour": 6, "minute": 49}
